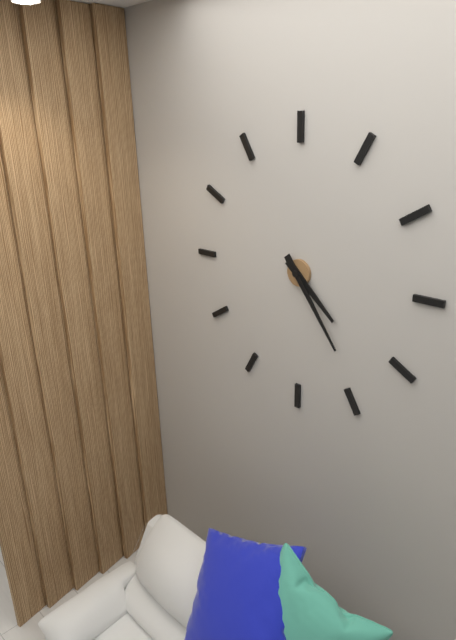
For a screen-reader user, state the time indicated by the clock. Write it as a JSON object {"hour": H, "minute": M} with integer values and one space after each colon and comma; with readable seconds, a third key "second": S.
{"hour": 4, "minute": 24}
